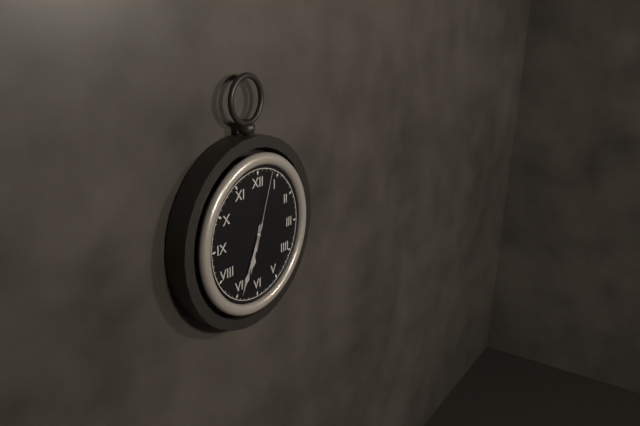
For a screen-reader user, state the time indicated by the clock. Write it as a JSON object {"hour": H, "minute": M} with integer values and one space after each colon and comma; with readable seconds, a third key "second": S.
{"hour": 6, "minute": 34, "second": 3}
